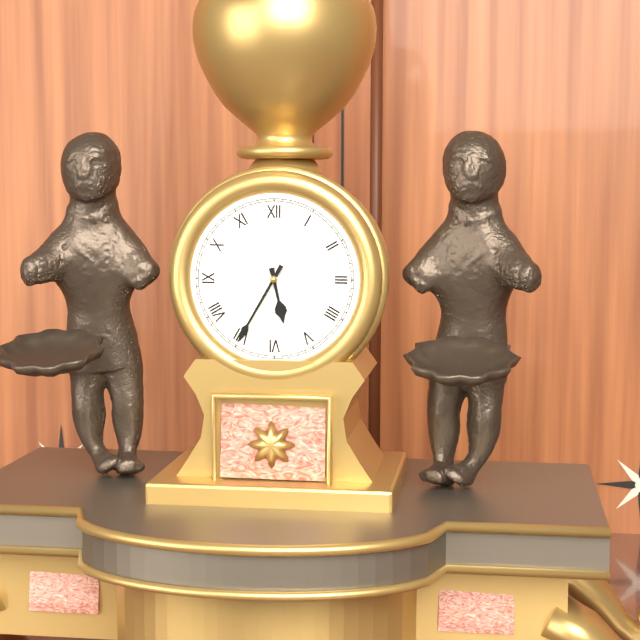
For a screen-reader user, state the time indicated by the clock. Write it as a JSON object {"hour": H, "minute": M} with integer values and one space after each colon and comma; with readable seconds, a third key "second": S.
{"hour": 5, "minute": 35}
